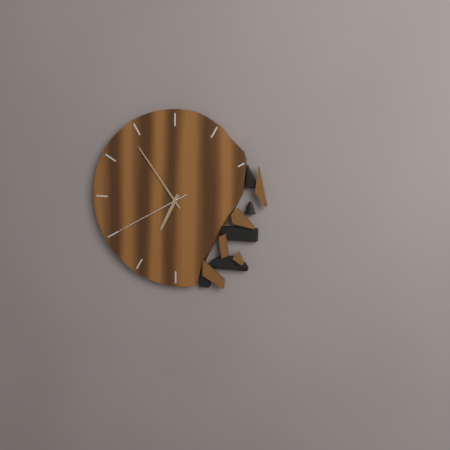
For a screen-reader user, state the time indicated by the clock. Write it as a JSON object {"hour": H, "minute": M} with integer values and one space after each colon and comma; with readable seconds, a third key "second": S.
{"hour": 6, "minute": 54, "second": 40}
